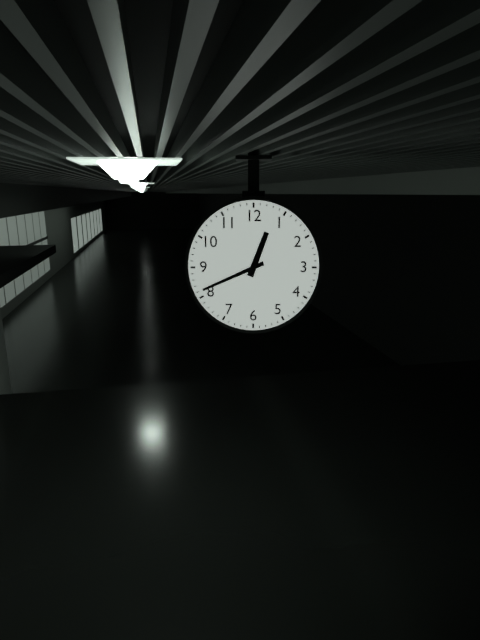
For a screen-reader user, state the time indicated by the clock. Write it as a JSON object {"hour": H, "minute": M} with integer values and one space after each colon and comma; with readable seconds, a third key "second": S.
{"hour": 12, "minute": 41}
